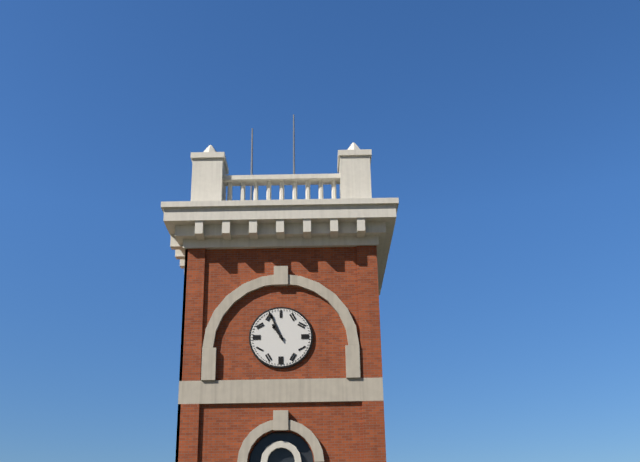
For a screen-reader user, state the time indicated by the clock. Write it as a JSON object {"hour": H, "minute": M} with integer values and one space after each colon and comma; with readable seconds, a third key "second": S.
{"hour": 10, "minute": 56}
